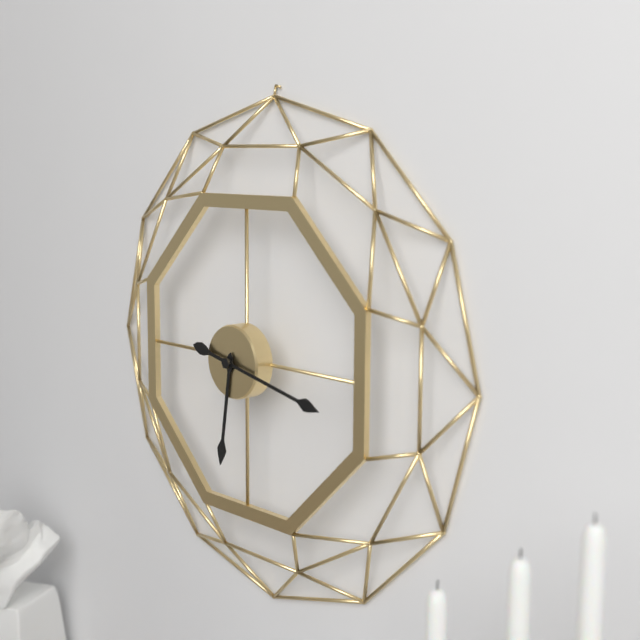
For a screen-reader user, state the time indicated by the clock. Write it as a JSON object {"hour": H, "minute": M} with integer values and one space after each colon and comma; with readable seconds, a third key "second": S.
{"hour": 6, "minute": 17}
